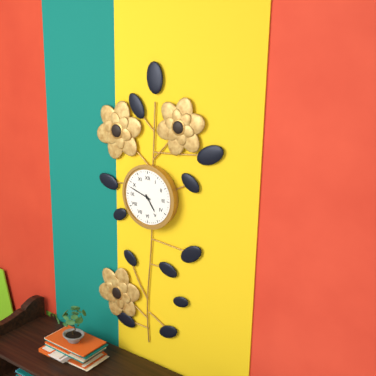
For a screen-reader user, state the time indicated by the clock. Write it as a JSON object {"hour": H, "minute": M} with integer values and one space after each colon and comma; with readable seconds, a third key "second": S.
{"hour": 4, "minute": 48}
